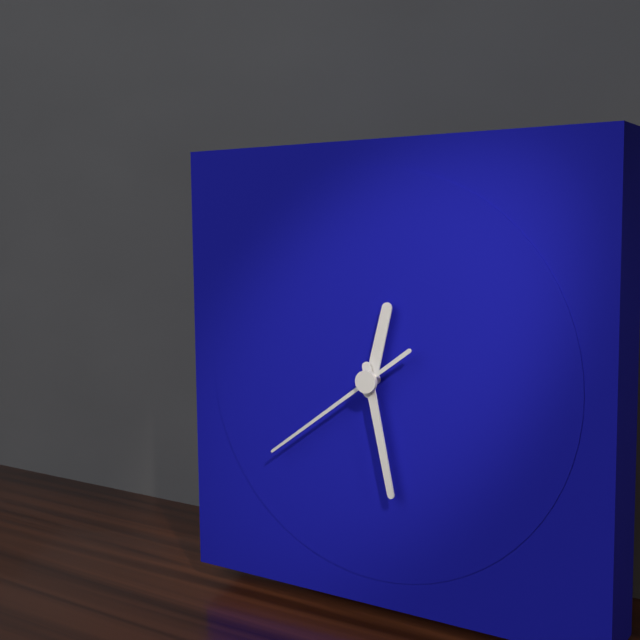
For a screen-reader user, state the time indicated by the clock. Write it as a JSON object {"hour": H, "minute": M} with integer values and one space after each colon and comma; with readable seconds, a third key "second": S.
{"hour": 12, "minute": 28, "second": 39}
